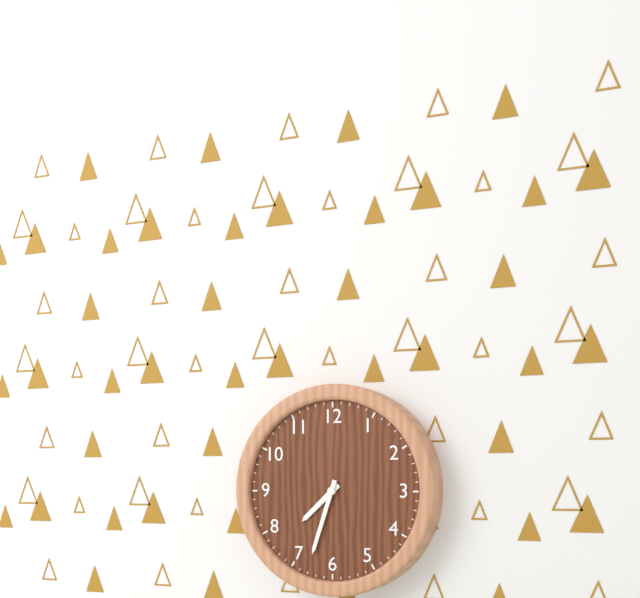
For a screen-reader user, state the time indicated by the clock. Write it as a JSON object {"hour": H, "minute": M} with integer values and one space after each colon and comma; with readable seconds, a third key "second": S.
{"hour": 7, "minute": 33}
